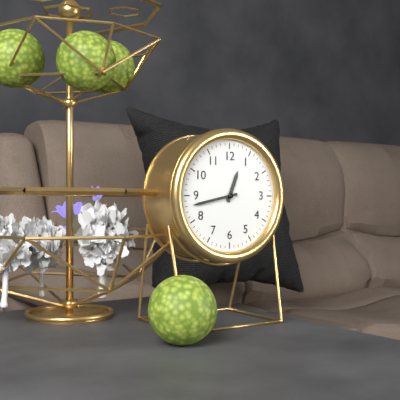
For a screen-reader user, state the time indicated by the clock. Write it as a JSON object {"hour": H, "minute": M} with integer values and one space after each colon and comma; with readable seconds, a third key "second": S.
{"hour": 12, "minute": 43}
